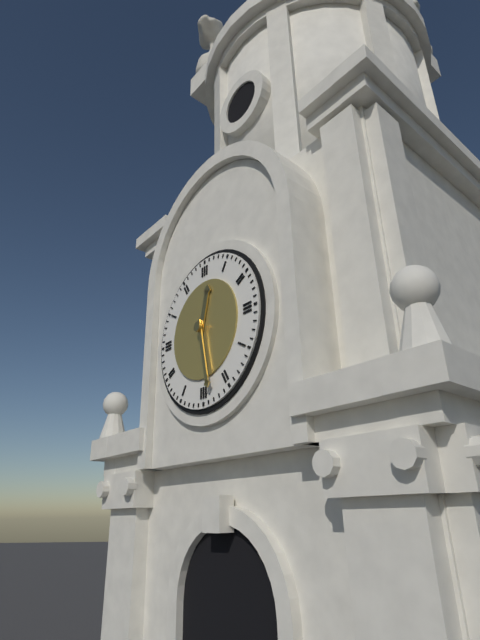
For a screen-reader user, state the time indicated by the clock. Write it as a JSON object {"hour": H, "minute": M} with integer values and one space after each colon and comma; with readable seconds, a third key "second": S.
{"hour": 12, "minute": 28}
